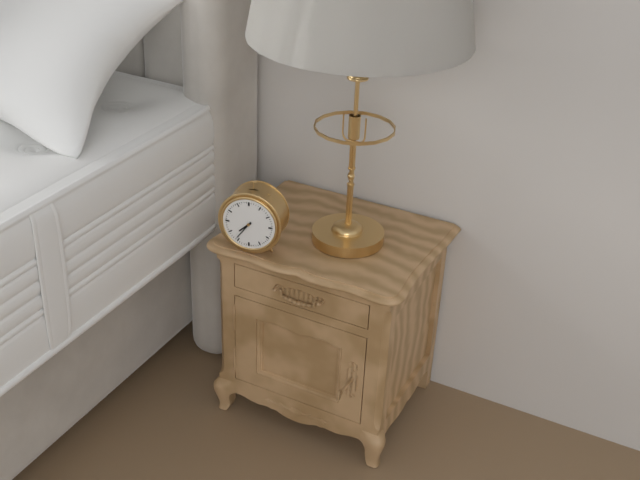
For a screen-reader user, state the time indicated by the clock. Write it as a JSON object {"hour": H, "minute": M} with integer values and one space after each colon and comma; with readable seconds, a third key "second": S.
{"hour": 7, "minute": 36}
